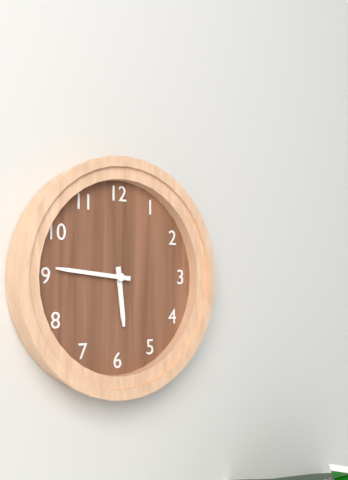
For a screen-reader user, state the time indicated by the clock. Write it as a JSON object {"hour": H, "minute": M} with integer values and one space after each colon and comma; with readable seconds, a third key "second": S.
{"hour": 5, "minute": 46}
